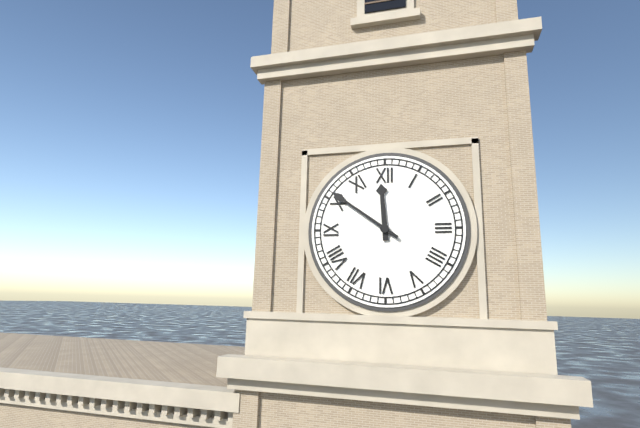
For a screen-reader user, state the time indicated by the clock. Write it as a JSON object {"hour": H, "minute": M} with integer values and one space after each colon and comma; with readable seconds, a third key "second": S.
{"hour": 11, "minute": 51}
